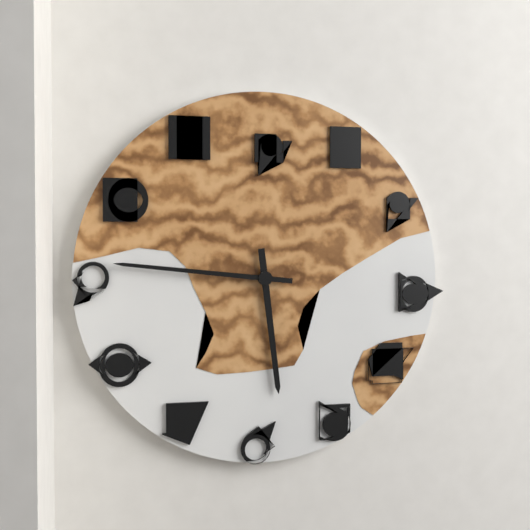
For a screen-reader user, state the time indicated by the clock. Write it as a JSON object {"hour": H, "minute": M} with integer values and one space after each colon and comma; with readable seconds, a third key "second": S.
{"hour": 5, "minute": 46}
